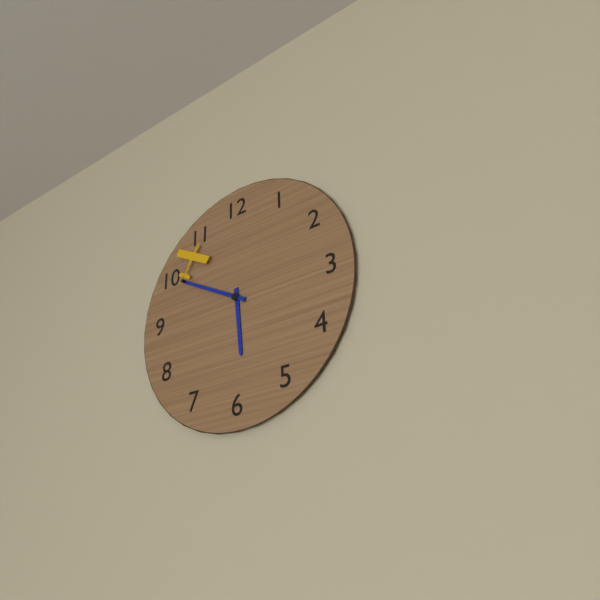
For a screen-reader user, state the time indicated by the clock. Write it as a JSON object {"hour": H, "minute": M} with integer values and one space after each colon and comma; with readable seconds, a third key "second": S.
{"hour": 5, "minute": 50}
